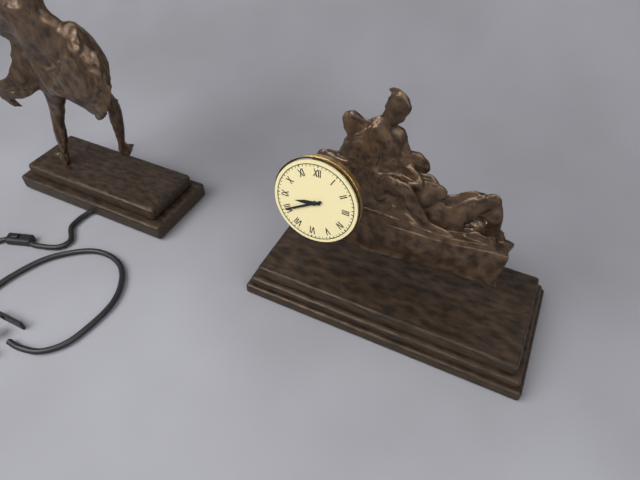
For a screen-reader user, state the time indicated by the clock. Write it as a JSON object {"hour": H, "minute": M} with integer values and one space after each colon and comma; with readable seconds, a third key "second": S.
{"hour": 8, "minute": 40}
